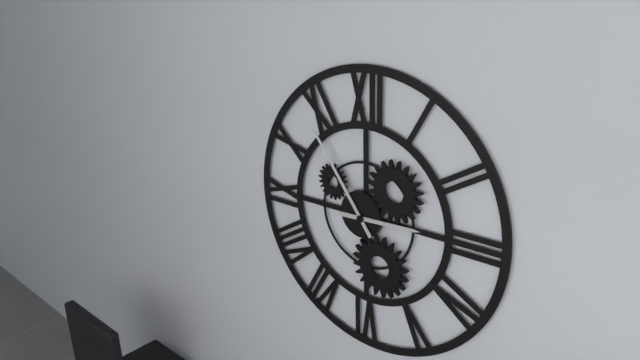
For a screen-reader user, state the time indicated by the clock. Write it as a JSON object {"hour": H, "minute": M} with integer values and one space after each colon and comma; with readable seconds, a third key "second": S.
{"hour": 2, "minute": 54}
